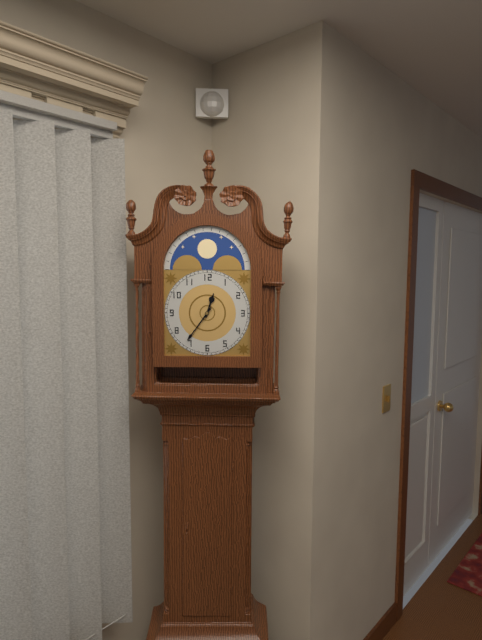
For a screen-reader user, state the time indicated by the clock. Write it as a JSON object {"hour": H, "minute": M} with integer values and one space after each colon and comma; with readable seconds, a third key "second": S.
{"hour": 12, "minute": 36}
